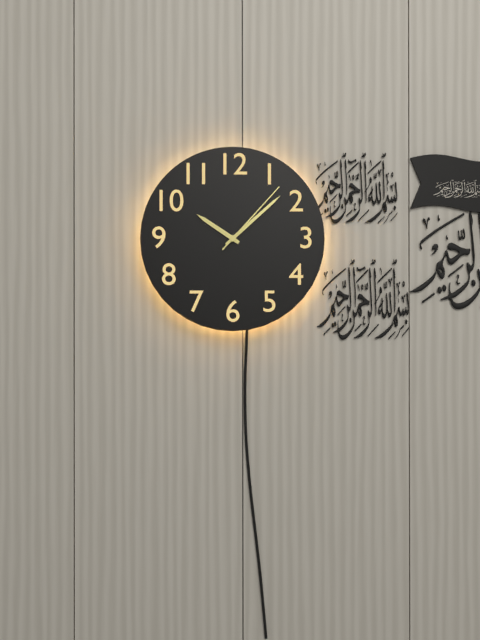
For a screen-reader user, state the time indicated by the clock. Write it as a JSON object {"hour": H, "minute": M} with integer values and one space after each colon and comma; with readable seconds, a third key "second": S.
{"hour": 10, "minute": 8, "second": 7}
